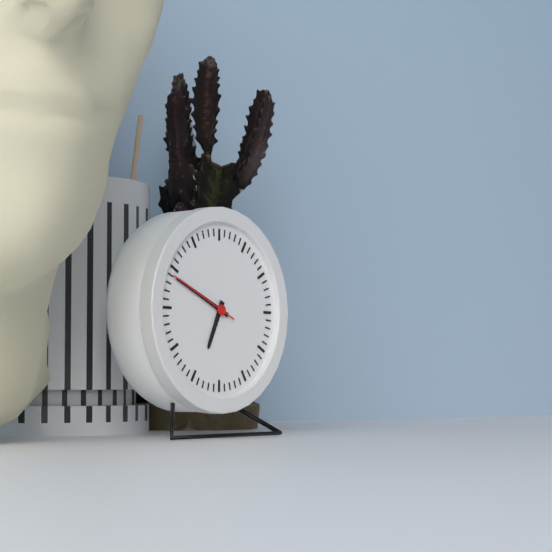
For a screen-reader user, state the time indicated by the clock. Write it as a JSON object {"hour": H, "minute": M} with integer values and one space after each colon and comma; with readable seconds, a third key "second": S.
{"hour": 6, "minute": 49, "second": 49}
